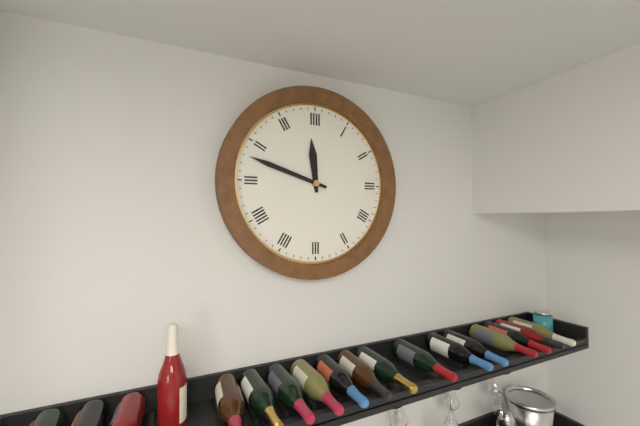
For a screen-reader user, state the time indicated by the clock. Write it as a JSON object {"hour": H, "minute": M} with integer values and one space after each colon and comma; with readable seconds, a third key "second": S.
{"hour": 11, "minute": 48}
